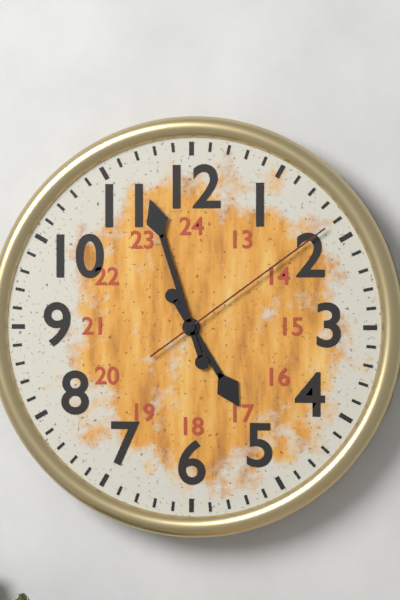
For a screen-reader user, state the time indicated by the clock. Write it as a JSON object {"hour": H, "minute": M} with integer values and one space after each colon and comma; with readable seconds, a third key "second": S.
{"hour": 4, "minute": 57, "second": 9}
